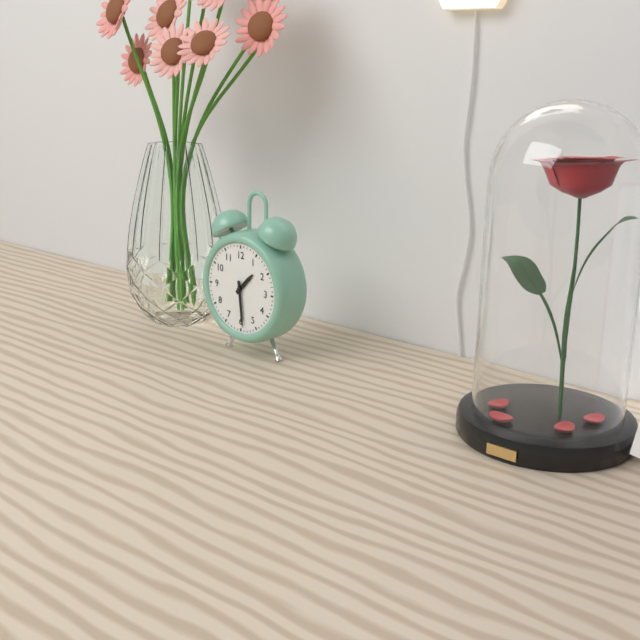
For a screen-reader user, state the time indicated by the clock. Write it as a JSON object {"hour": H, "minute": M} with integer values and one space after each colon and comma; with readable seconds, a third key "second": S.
{"hour": 1, "minute": 29}
